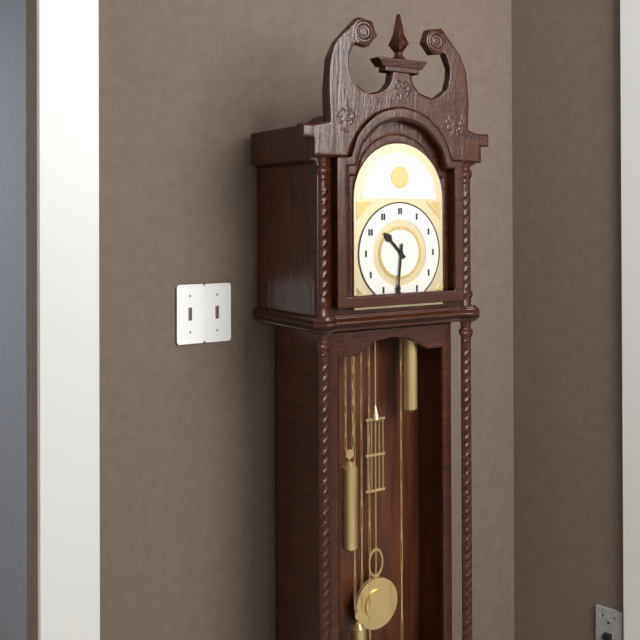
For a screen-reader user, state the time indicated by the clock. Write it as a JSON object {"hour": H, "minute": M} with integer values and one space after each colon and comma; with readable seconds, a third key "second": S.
{"hour": 10, "minute": 31}
